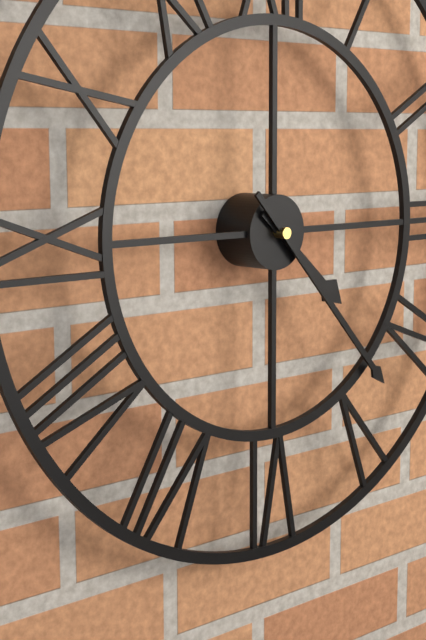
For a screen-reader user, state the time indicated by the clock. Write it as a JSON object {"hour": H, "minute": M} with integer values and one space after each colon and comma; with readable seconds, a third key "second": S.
{"hour": 4, "minute": 23}
